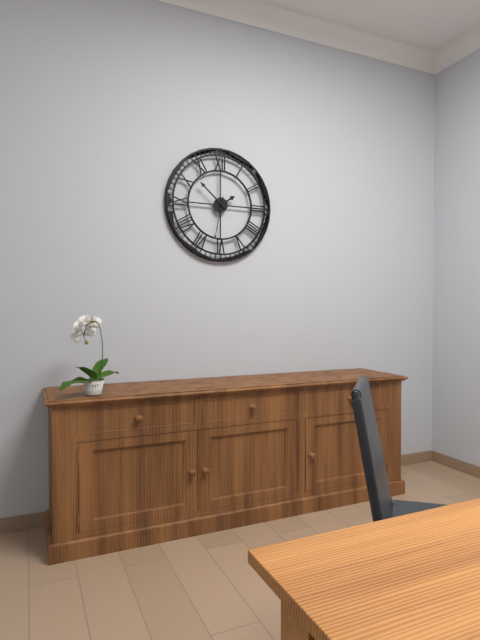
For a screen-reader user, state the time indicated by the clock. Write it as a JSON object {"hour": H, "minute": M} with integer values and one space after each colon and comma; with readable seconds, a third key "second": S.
{"hour": 1, "minute": 52}
